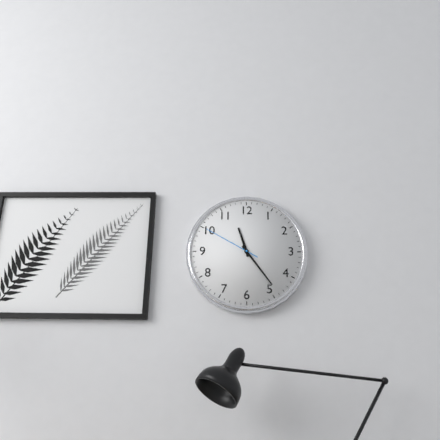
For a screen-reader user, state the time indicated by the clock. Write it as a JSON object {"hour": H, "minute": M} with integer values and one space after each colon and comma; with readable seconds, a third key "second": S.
{"hour": 11, "minute": 24, "second": 50}
